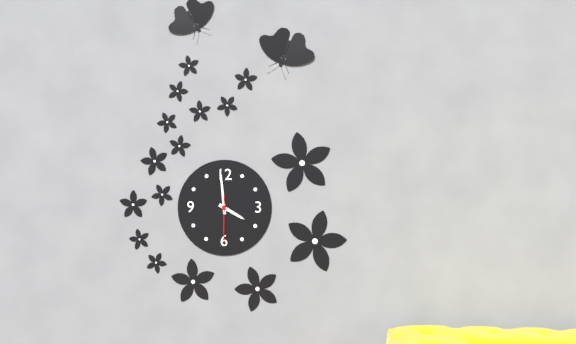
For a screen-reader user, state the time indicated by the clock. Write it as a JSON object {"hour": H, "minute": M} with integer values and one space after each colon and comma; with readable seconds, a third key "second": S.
{"hour": 3, "minute": 59, "second": 30}
